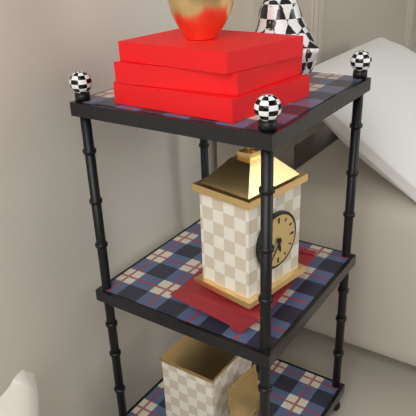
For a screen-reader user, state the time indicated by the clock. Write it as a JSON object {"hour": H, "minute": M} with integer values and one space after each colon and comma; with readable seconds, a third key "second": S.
{"hour": 5, "minute": 36}
